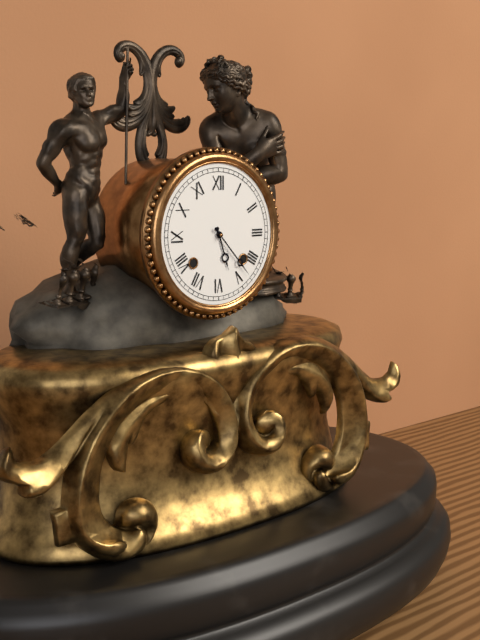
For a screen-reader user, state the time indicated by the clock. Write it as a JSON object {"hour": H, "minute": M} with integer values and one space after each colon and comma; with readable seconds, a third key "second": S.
{"hour": 5, "minute": 23}
